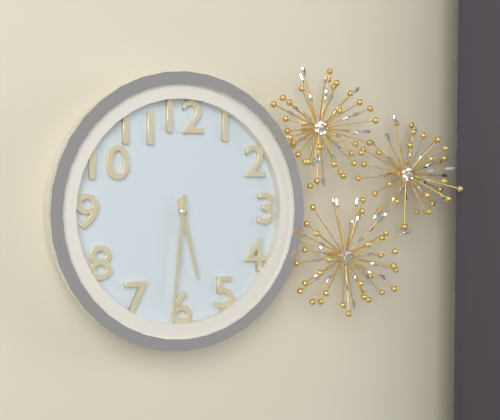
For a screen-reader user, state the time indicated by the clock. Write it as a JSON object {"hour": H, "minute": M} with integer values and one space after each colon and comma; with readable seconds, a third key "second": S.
{"hour": 5, "minute": 31}
